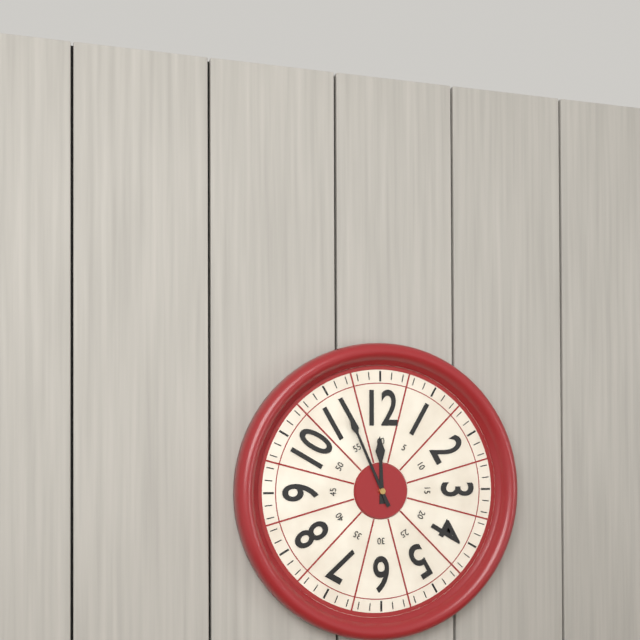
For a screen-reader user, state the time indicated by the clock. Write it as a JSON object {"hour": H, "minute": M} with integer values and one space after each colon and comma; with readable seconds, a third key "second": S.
{"hour": 11, "minute": 56}
